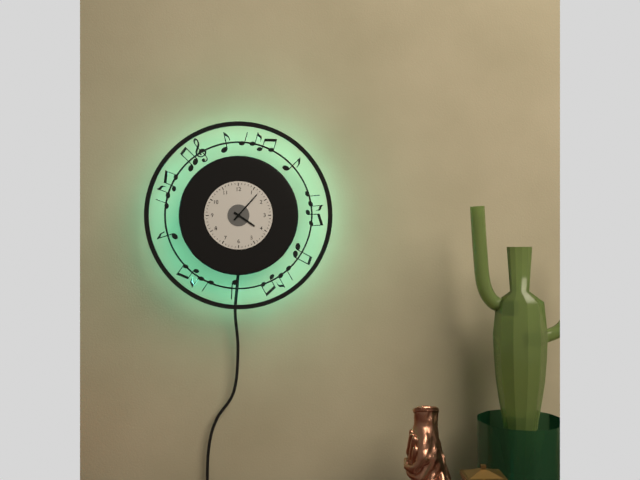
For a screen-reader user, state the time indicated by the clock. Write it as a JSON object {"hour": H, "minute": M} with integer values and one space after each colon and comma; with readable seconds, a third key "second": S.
{"hour": 4, "minute": 7}
